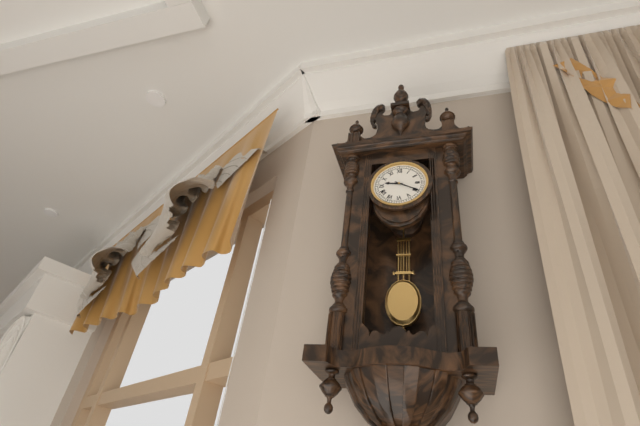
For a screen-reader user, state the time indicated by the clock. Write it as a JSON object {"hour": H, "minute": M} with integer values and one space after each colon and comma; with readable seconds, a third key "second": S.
{"hour": 9, "minute": 20}
